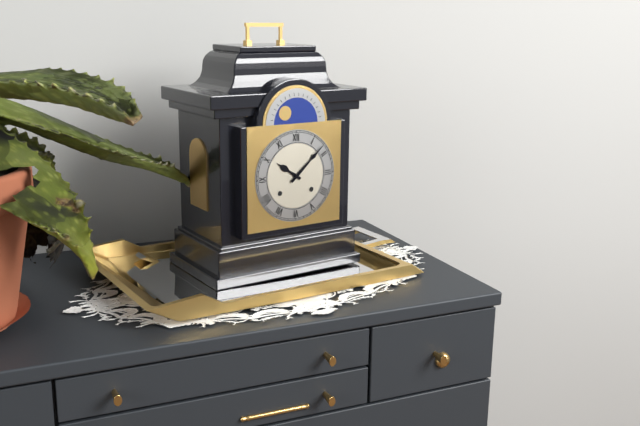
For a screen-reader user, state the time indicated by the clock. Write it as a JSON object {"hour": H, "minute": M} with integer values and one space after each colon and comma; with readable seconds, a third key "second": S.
{"hour": 10, "minute": 8}
